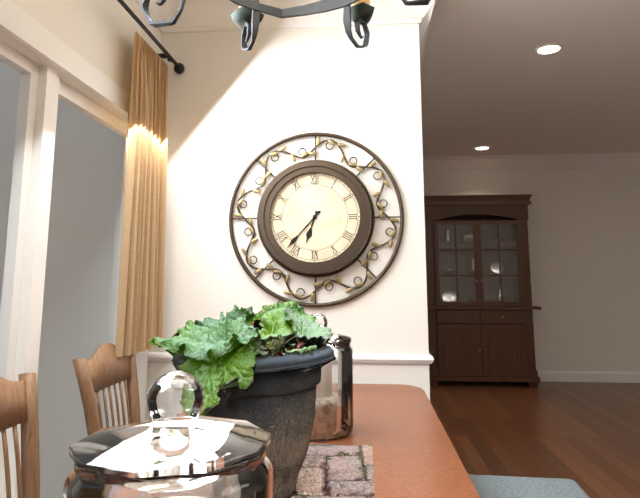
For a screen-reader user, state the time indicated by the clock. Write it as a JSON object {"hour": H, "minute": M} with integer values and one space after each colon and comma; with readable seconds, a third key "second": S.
{"hour": 6, "minute": 37}
